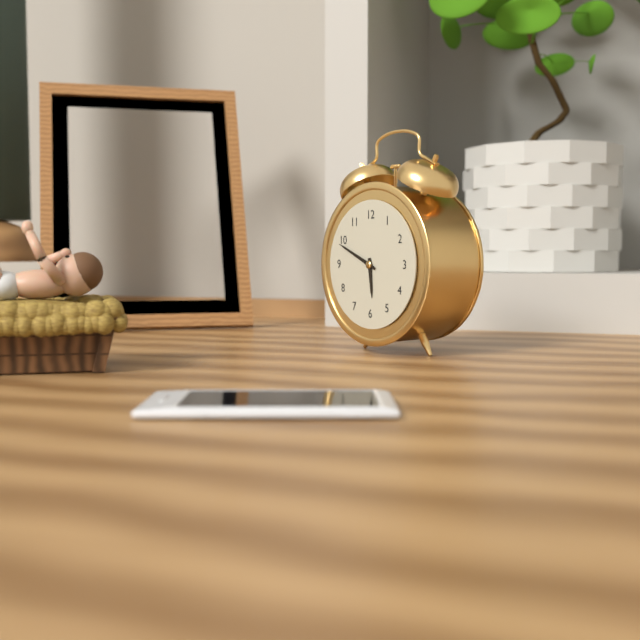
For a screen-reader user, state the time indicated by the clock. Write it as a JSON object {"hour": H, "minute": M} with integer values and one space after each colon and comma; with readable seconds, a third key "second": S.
{"hour": 5, "minute": 49}
